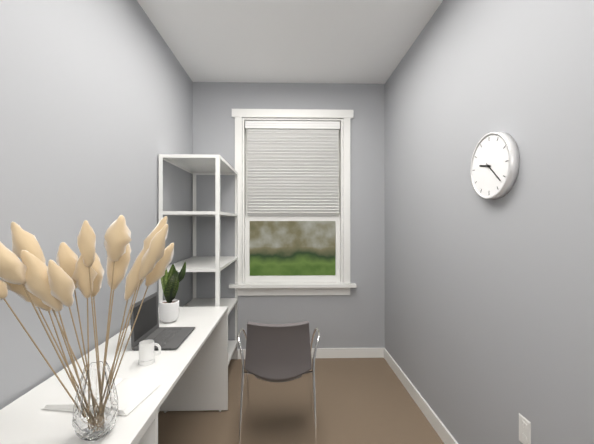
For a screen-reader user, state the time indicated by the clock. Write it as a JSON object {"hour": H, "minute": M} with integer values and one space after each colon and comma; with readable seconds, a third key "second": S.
{"hour": 9, "minute": 22}
